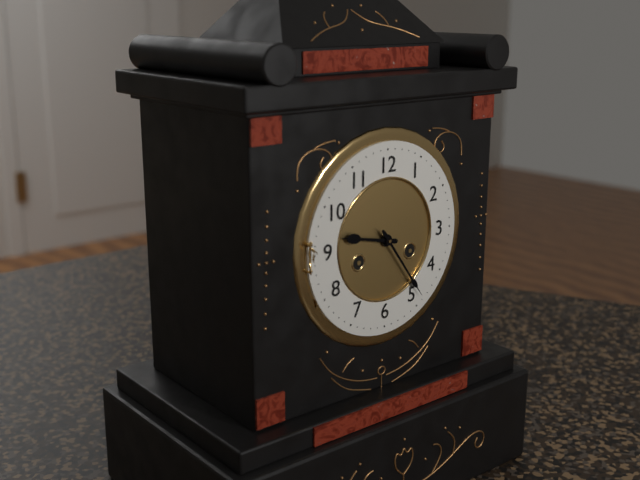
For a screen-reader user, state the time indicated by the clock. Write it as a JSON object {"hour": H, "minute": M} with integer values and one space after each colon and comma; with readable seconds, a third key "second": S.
{"hour": 9, "minute": 24}
